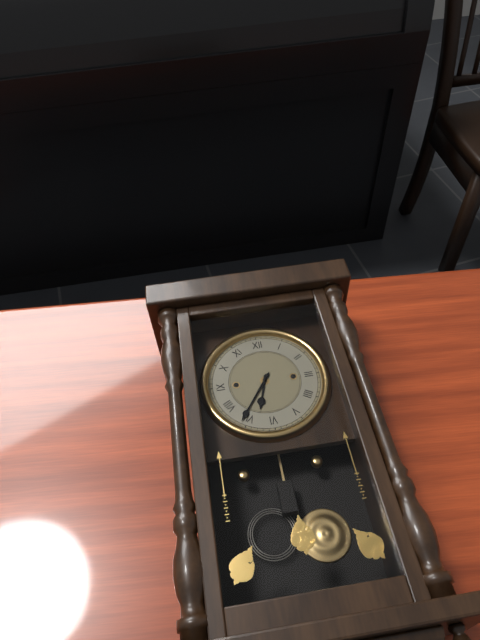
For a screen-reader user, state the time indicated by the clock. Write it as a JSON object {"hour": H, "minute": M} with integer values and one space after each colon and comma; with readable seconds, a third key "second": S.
{"hour": 6, "minute": 36}
